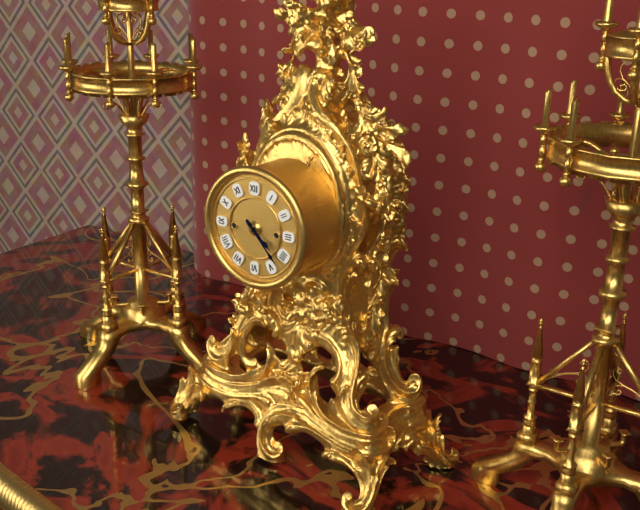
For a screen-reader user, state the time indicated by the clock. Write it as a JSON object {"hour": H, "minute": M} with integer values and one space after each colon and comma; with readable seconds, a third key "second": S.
{"hour": 4, "minute": 23}
